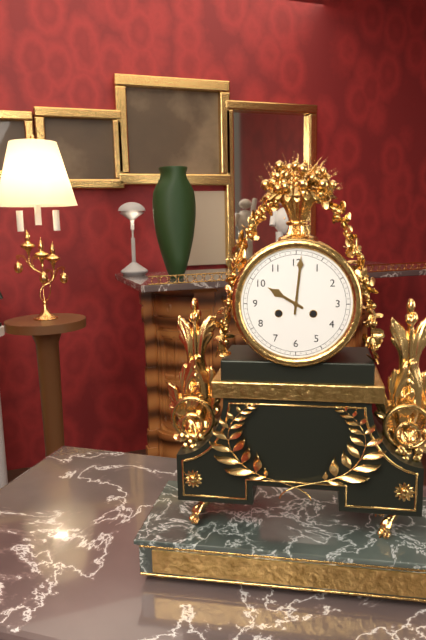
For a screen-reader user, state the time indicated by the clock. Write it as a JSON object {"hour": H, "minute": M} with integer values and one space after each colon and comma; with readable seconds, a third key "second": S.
{"hour": 10, "minute": 1}
